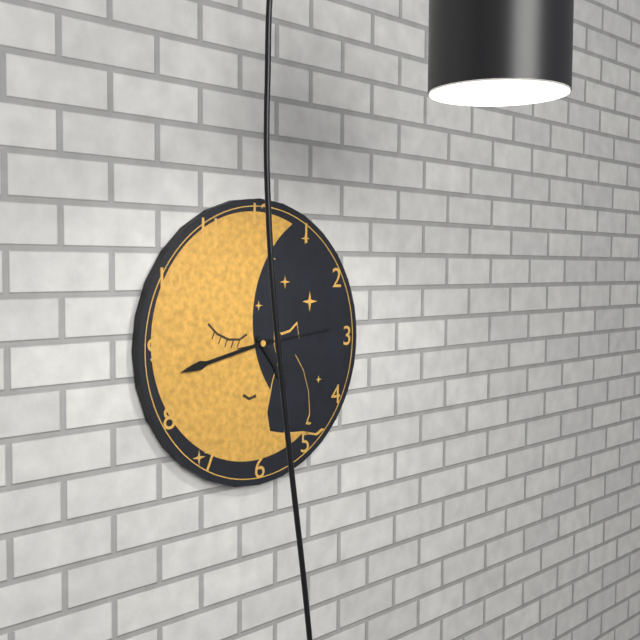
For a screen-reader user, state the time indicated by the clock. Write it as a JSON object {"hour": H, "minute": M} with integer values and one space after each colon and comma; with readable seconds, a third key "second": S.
{"hour": 4, "minute": 43, "second": 14}
